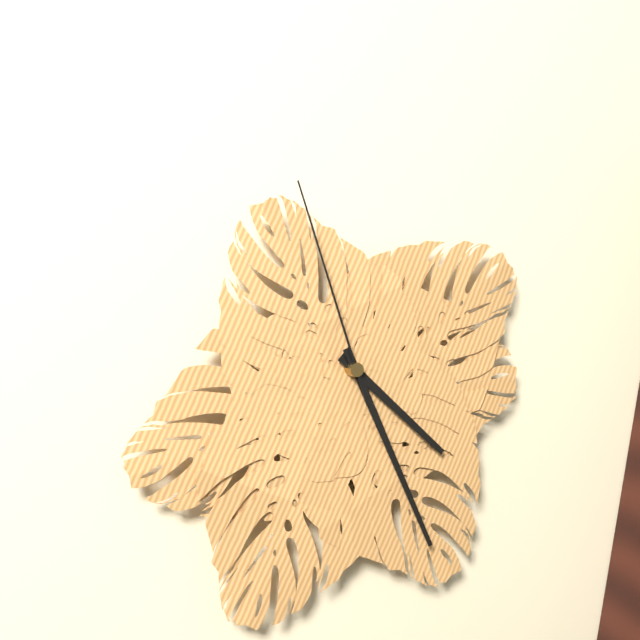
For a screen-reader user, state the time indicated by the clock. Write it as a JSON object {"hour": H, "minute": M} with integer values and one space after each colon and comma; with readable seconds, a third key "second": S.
{"hour": 4, "minute": 26, "second": 57}
